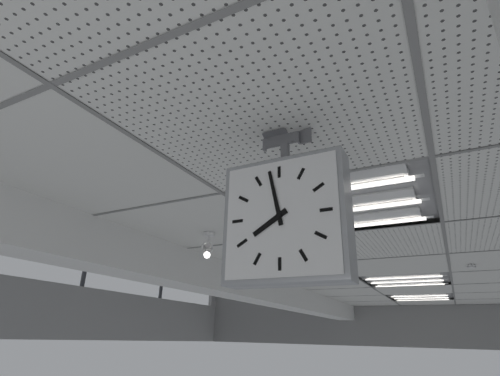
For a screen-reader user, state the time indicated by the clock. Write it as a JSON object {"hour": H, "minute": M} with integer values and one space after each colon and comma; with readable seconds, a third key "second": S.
{"hour": 7, "minute": 58}
